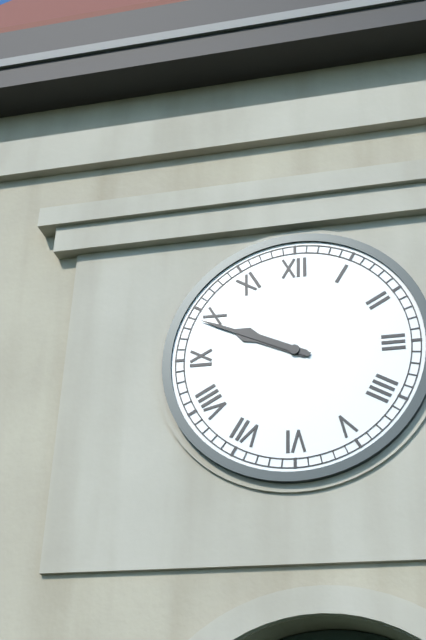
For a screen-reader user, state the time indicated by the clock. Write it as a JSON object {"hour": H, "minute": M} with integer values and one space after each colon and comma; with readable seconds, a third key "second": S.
{"hour": 9, "minute": 49}
